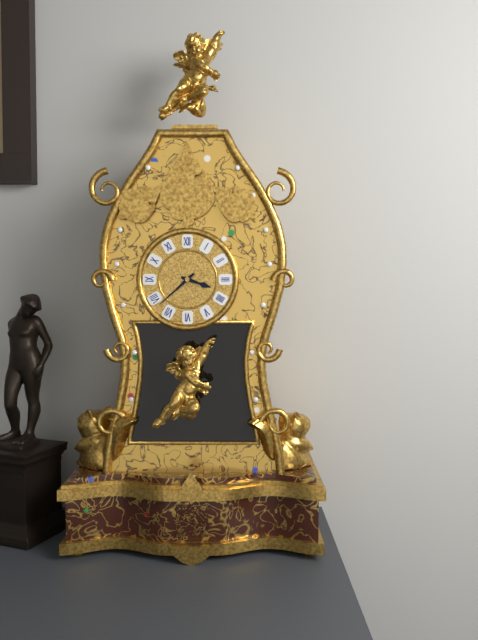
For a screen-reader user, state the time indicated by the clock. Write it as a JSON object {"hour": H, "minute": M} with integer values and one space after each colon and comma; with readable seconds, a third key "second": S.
{"hour": 3, "minute": 38}
